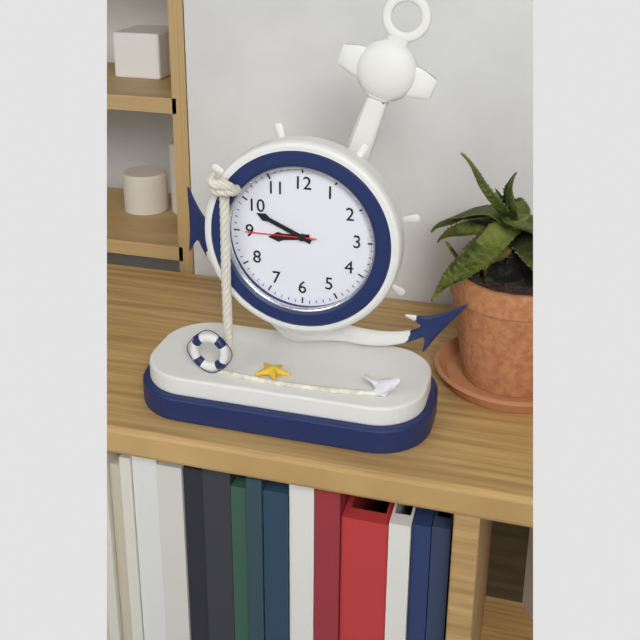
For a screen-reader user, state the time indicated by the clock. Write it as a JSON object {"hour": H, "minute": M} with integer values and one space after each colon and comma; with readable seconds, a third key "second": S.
{"hour": 8, "minute": 49, "second": 45}
